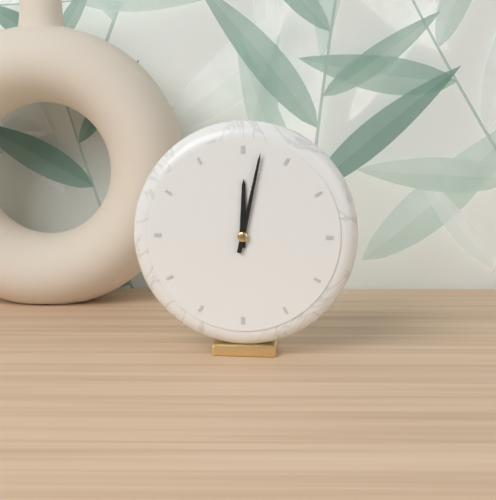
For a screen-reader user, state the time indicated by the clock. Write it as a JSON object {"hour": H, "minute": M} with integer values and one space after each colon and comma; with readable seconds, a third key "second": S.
{"hour": 12, "minute": 2}
